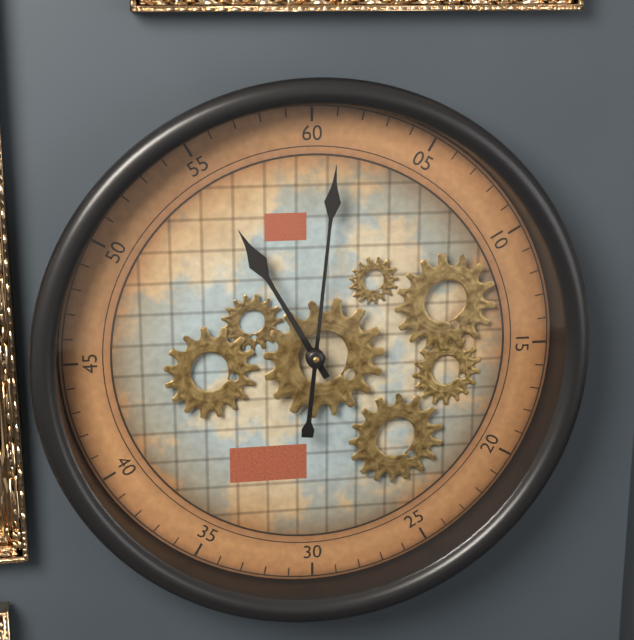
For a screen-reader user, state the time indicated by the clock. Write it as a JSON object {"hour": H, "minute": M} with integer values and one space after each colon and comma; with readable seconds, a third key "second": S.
{"hour": 11, "minute": 1}
